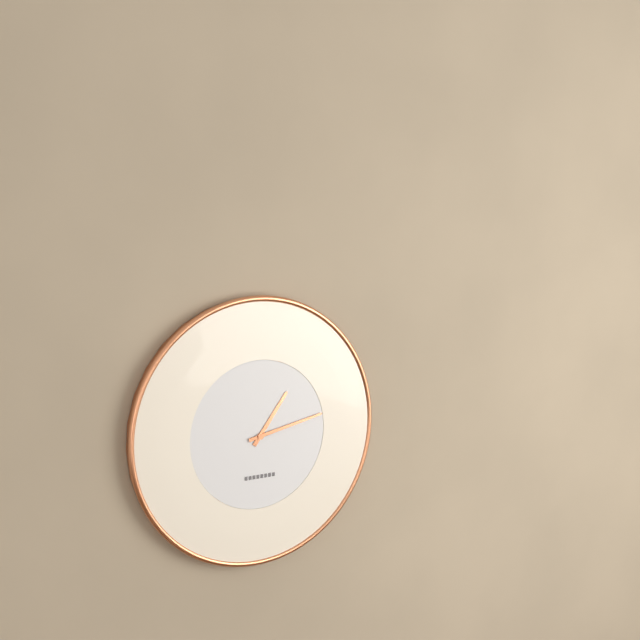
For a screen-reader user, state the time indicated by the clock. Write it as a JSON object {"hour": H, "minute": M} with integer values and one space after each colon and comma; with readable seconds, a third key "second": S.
{"hour": 1, "minute": 13}
